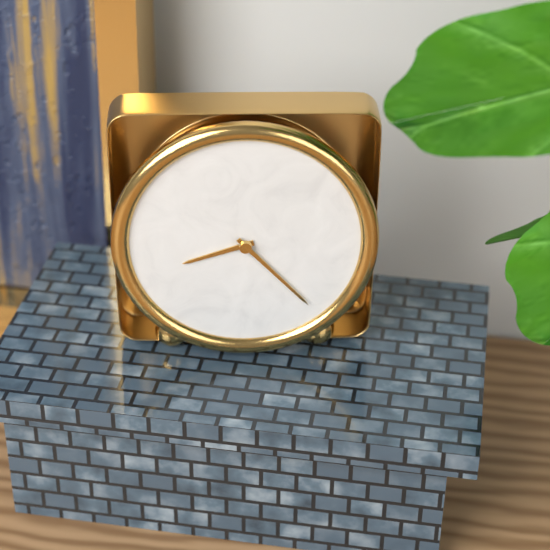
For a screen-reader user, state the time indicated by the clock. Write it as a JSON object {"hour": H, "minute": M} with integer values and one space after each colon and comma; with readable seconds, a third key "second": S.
{"hour": 8, "minute": 23}
